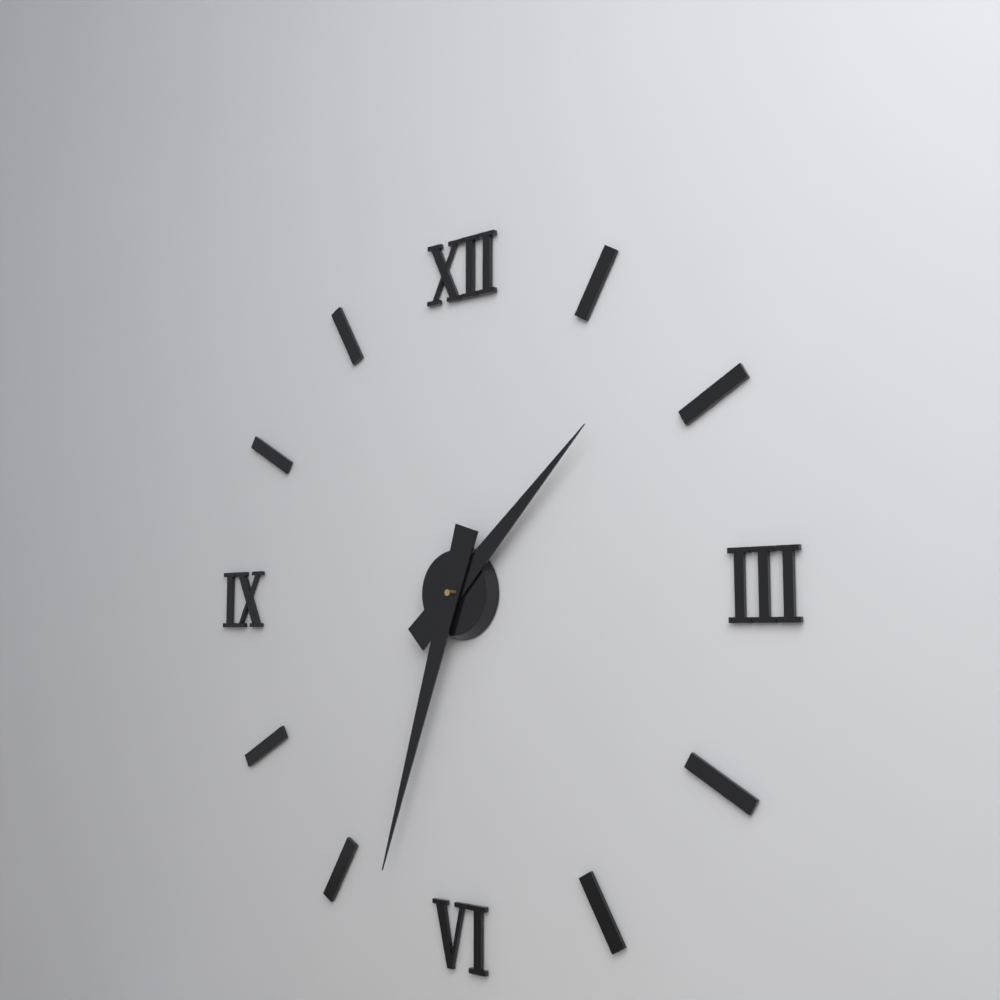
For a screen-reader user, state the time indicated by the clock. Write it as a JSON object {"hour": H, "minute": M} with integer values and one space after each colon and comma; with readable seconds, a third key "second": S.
{"hour": 1, "minute": 33}
